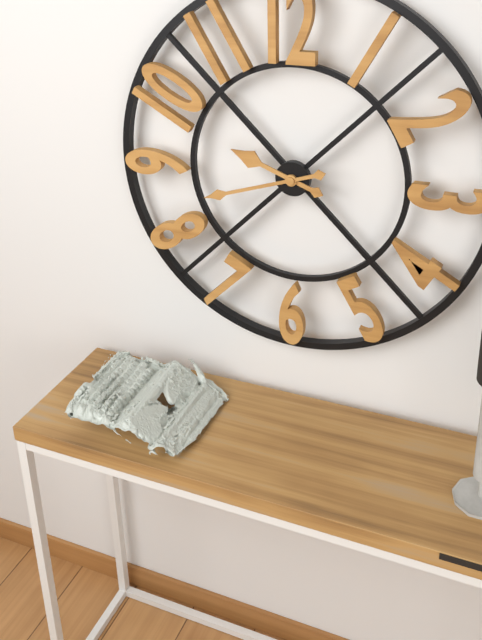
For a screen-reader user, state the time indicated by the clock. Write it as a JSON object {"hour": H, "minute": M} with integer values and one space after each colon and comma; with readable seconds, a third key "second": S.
{"hour": 9, "minute": 42}
